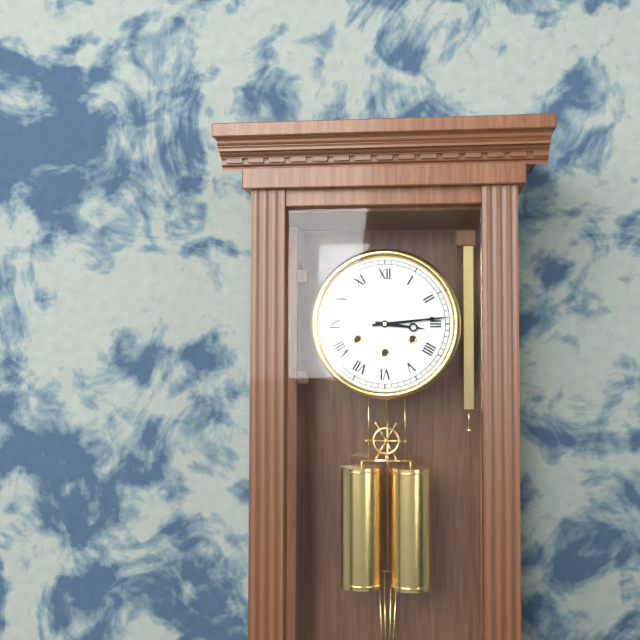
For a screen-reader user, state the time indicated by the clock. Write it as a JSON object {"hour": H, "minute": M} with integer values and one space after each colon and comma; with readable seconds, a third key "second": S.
{"hour": 3, "minute": 14}
